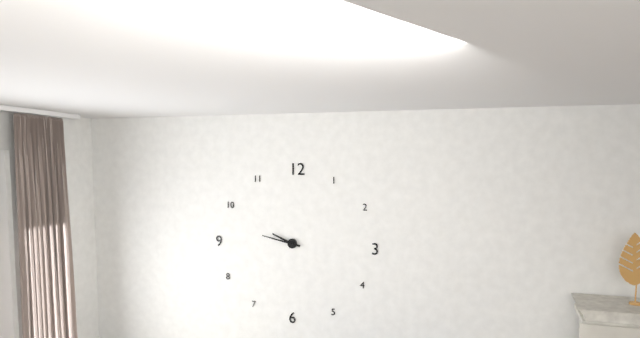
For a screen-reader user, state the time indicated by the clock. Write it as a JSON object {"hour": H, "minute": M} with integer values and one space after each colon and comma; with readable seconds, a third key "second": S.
{"hour": 9, "minute": 47}
